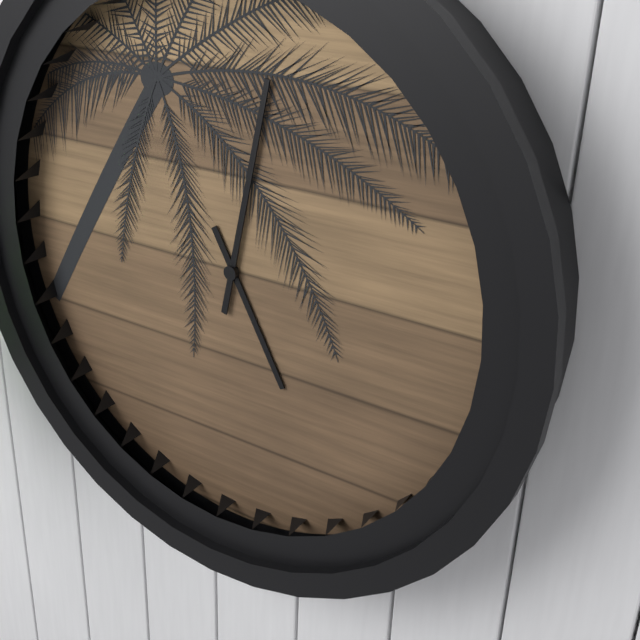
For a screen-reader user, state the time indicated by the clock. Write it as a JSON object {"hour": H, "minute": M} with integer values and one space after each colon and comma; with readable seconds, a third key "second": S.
{"hour": 5, "minute": 2}
